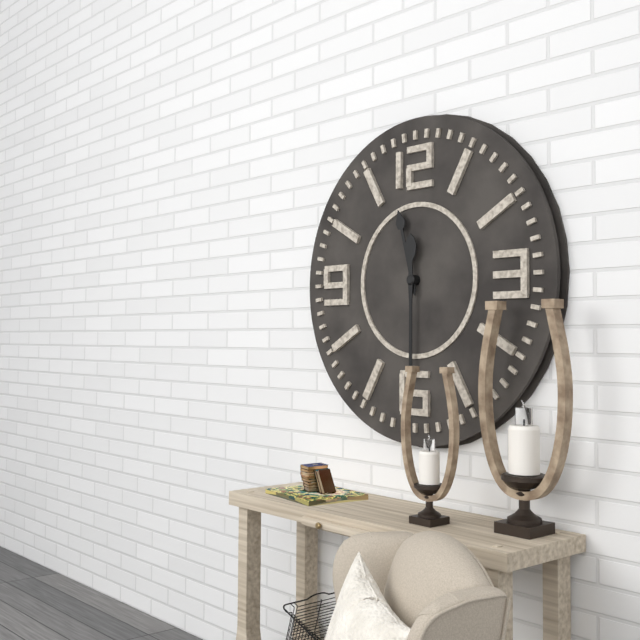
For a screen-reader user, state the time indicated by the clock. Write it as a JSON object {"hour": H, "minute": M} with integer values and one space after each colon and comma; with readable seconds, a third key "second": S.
{"hour": 11, "minute": 30}
